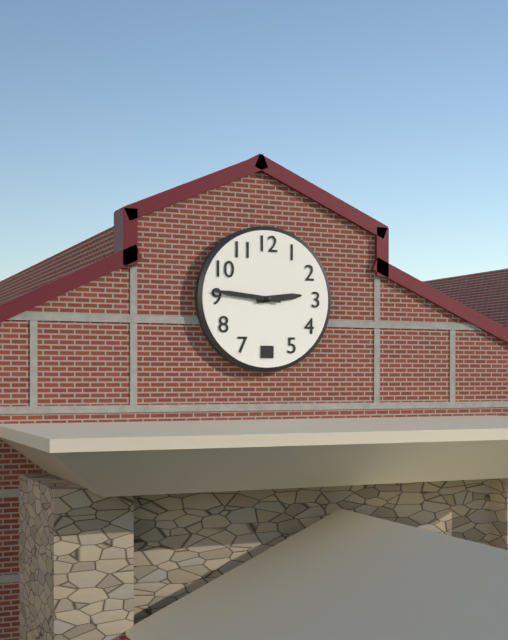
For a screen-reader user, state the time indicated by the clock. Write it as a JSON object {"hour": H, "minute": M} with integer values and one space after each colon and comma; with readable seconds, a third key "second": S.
{"hour": 2, "minute": 46}
